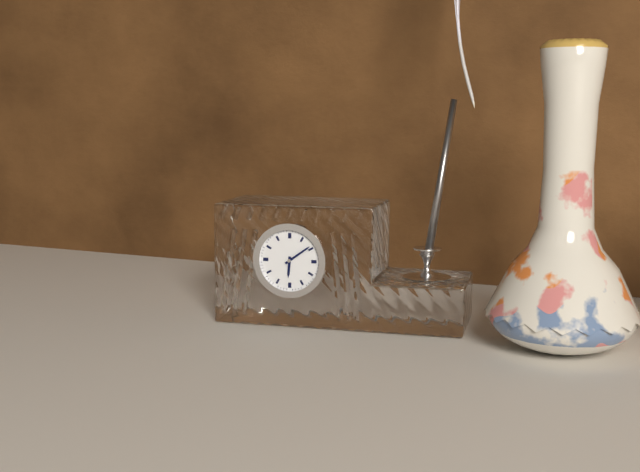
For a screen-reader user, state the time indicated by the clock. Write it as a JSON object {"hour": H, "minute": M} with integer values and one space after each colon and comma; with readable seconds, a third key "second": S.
{"hour": 6, "minute": 9}
